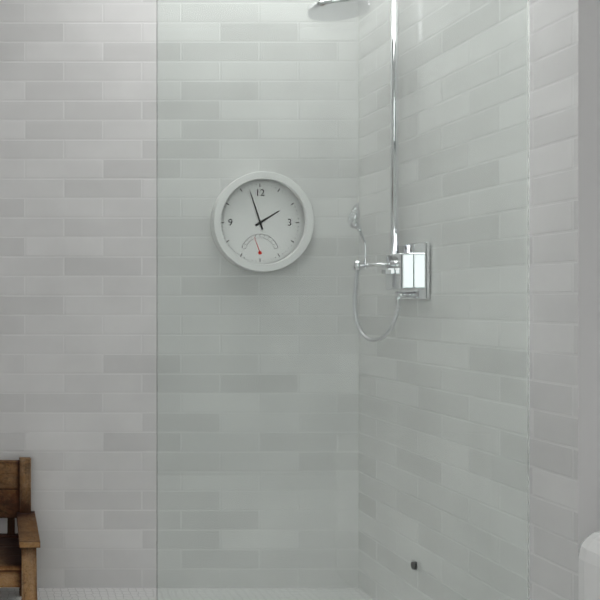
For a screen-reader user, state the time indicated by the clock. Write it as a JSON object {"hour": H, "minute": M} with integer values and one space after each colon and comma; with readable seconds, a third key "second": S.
{"hour": 1, "minute": 57}
